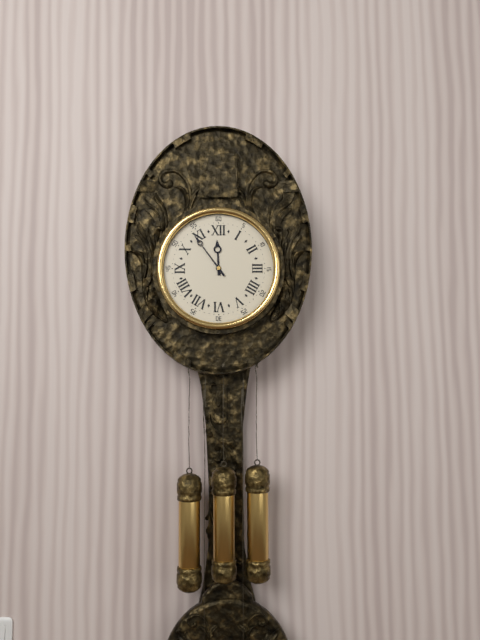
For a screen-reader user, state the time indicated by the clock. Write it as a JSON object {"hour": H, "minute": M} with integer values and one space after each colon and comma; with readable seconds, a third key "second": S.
{"hour": 11, "minute": 54}
